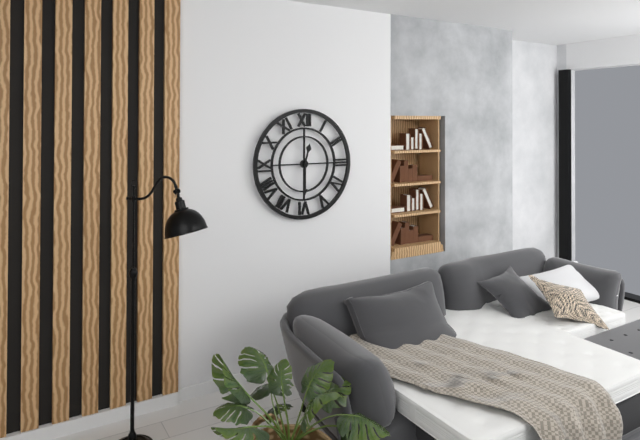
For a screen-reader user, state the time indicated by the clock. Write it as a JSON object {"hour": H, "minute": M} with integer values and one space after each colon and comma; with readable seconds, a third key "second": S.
{"hour": 12, "minute": 30}
